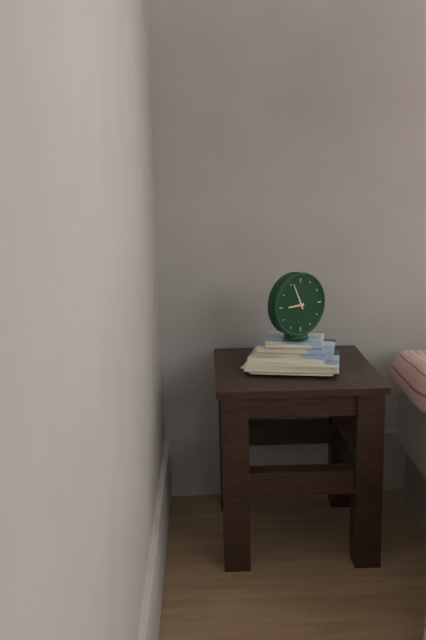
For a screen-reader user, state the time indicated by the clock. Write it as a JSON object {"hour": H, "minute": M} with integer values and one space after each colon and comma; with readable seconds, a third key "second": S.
{"hour": 8, "minute": 56}
